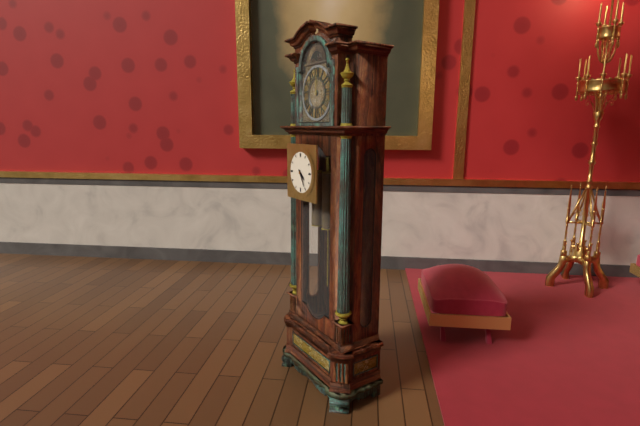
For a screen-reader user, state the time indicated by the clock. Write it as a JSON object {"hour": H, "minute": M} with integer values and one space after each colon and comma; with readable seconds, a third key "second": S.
{"hour": 4, "minute": 25}
